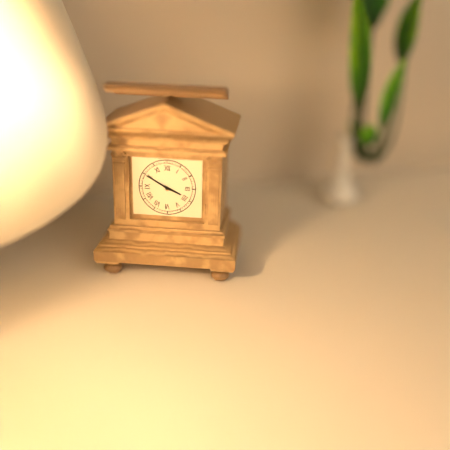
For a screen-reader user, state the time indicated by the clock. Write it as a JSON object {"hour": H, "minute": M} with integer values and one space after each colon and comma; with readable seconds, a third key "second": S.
{"hour": 3, "minute": 50}
